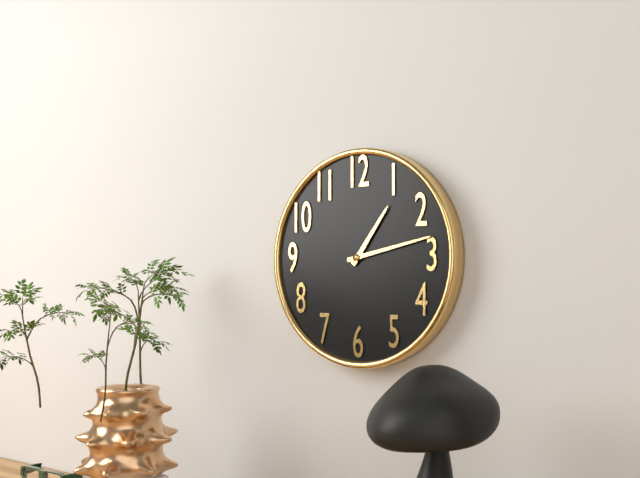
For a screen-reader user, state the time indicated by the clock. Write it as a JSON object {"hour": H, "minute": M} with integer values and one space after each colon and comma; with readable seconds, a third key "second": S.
{"hour": 1, "minute": 13}
